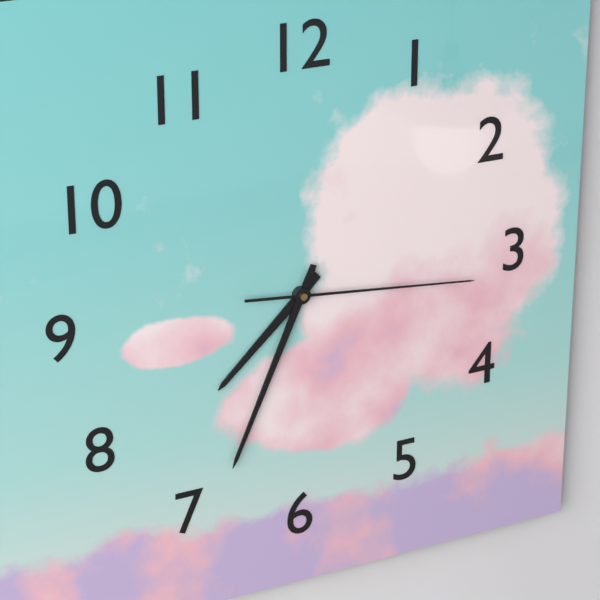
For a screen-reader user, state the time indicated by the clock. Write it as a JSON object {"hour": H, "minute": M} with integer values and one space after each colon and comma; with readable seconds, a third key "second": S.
{"hour": 7, "minute": 34, "second": 16}
